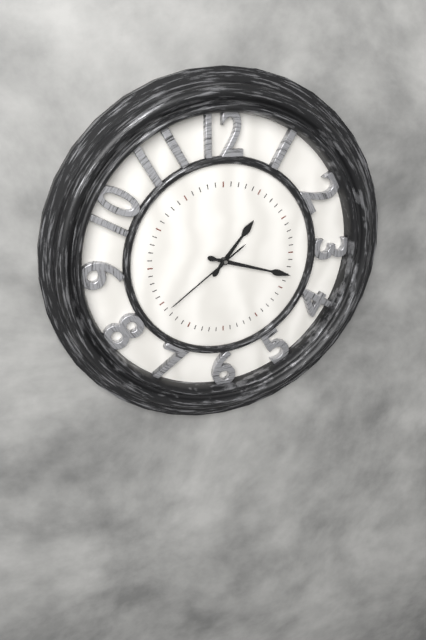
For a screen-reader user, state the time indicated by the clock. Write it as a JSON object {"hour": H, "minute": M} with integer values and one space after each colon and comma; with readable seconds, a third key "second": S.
{"hour": 1, "minute": 18, "second": 39}
